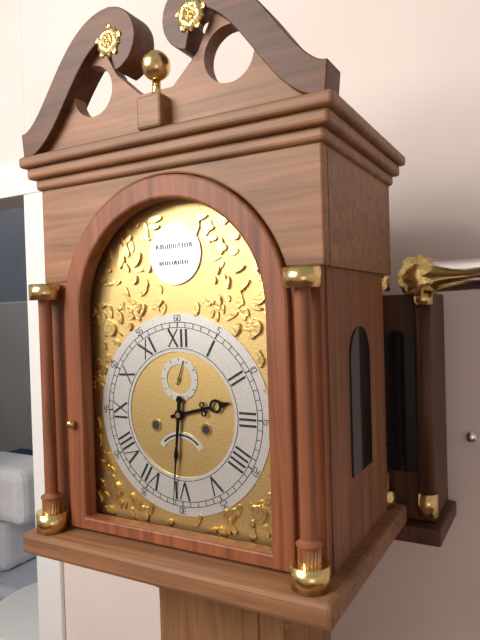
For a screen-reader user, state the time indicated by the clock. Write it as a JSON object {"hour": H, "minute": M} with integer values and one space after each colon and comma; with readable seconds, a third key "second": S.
{"hour": 2, "minute": 31}
